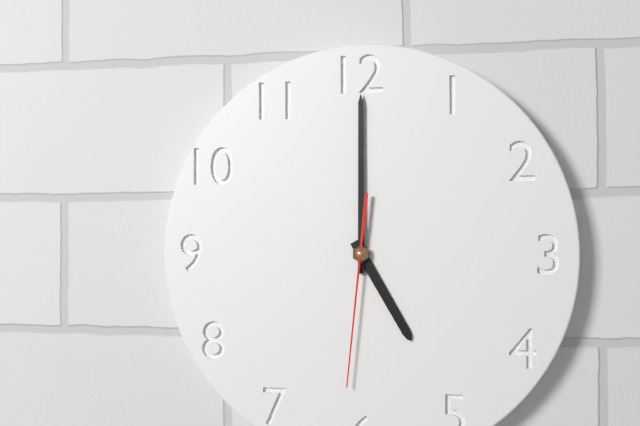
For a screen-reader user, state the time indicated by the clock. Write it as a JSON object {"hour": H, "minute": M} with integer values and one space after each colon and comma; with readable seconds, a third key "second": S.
{"hour": 5, "minute": 0, "second": 31}
